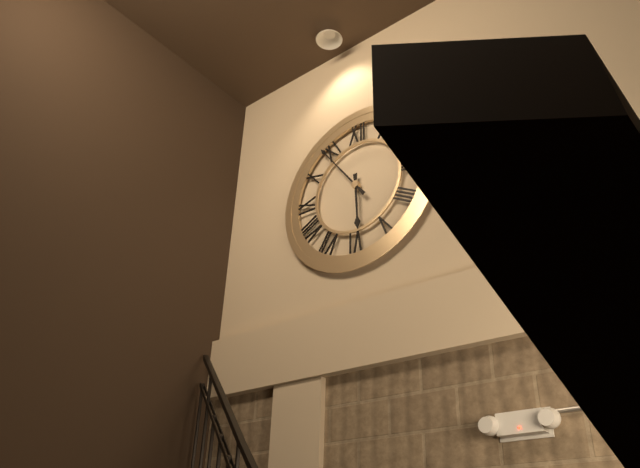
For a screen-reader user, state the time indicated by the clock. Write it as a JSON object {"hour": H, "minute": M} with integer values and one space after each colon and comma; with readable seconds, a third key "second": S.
{"hour": 5, "minute": 54}
